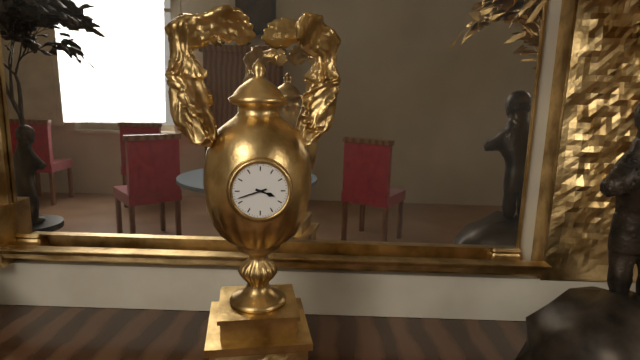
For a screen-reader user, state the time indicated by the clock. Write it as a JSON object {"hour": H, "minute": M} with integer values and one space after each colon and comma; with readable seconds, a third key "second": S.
{"hour": 3, "minute": 42}
